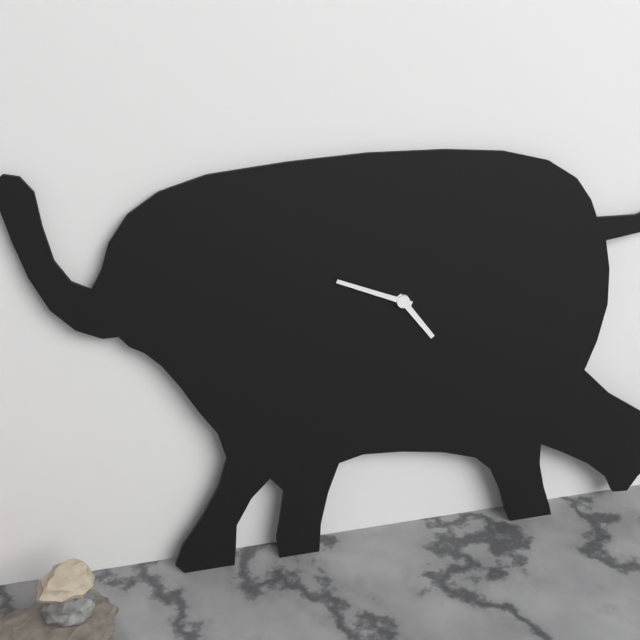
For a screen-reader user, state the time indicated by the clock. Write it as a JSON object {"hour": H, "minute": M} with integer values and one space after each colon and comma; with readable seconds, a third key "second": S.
{"hour": 4, "minute": 49}
